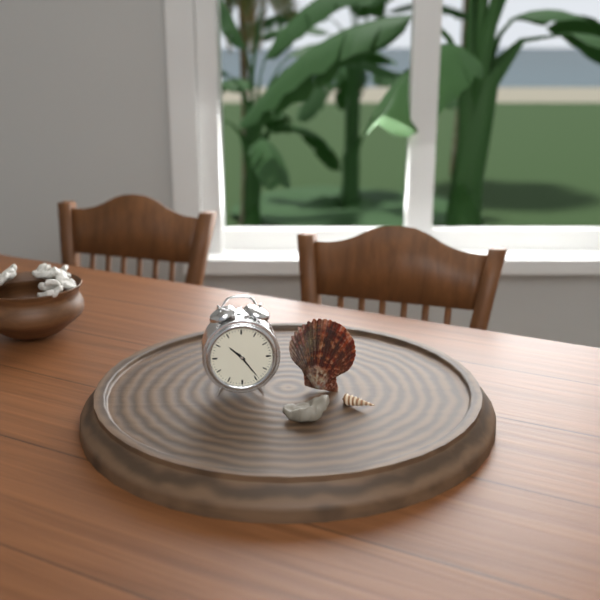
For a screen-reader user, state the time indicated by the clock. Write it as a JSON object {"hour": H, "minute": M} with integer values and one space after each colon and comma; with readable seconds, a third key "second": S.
{"hour": 10, "minute": 24}
